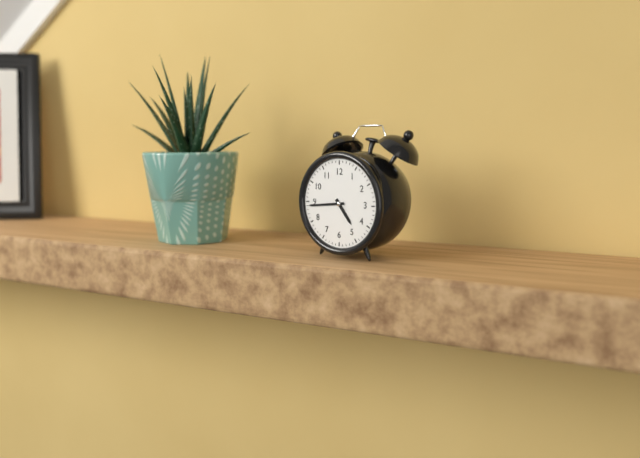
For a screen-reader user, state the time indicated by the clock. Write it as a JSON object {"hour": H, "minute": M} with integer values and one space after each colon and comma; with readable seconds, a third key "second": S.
{"hour": 4, "minute": 44}
